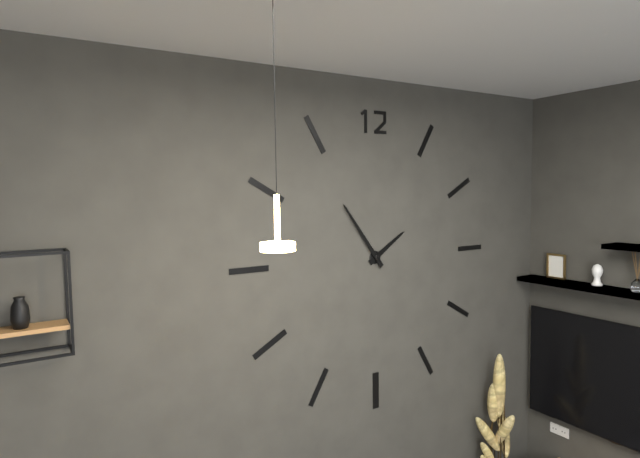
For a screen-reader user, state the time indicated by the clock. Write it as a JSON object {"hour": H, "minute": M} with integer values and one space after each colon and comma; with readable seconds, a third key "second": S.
{"hour": 1, "minute": 54}
